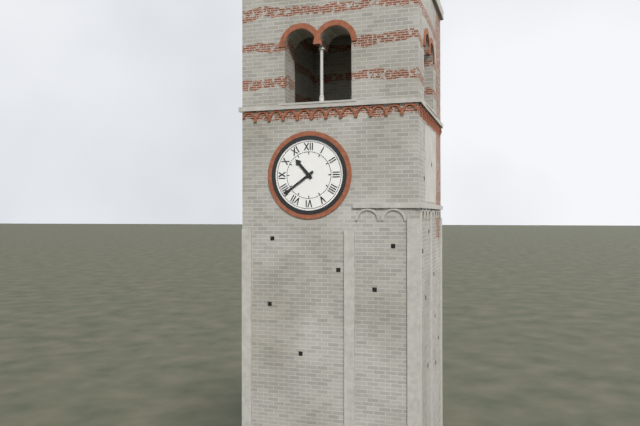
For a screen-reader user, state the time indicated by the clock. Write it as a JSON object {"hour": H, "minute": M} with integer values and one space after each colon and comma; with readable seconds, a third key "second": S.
{"hour": 10, "minute": 39}
